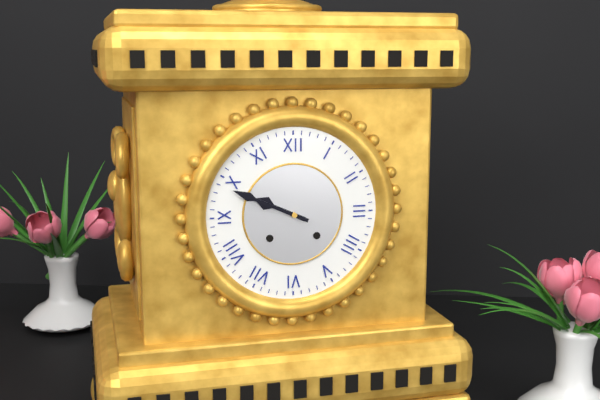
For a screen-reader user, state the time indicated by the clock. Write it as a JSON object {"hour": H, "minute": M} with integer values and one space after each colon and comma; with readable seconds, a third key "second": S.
{"hour": 9, "minute": 49}
